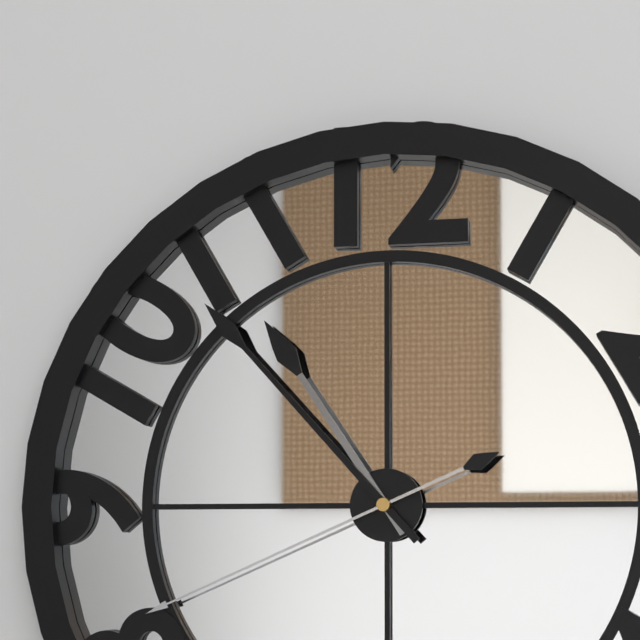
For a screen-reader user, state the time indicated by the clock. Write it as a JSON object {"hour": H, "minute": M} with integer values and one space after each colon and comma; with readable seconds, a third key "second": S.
{"hour": 10, "minute": 53, "second": 41}
